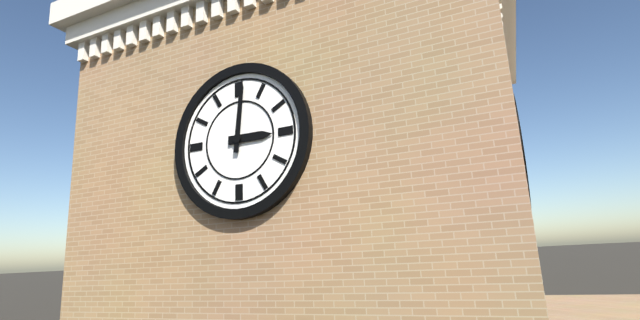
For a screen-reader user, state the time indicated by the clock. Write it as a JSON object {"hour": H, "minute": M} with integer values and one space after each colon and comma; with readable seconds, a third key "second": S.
{"hour": 3, "minute": 1}
